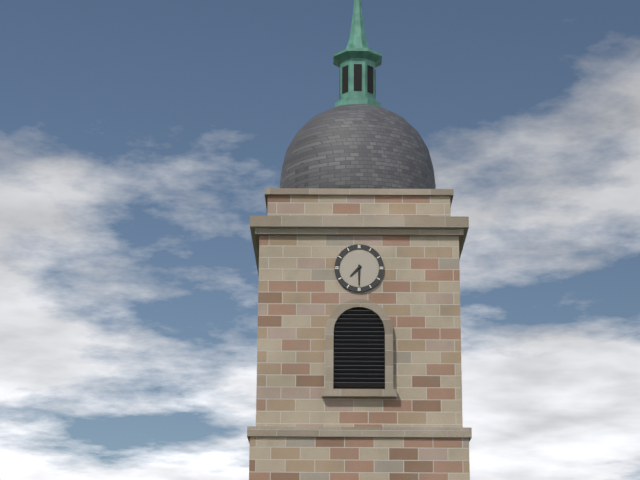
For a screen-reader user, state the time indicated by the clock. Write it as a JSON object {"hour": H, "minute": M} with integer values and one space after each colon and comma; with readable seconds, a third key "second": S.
{"hour": 7, "minute": 30}
